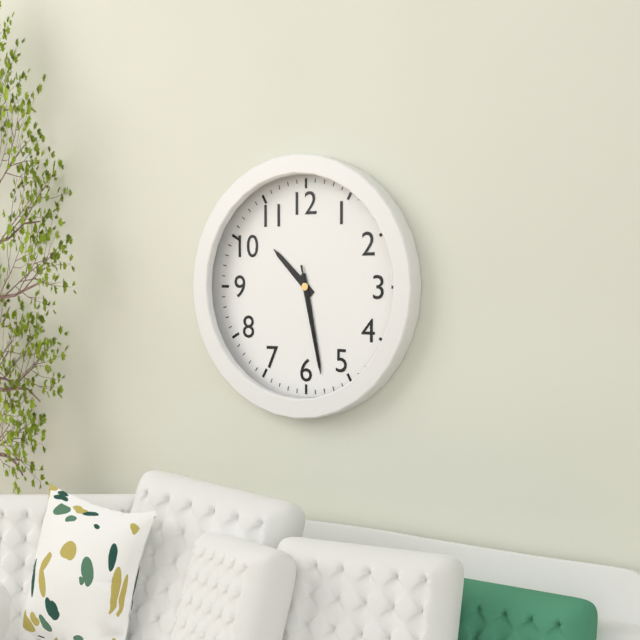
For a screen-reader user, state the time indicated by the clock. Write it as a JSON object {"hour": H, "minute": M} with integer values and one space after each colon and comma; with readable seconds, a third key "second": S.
{"hour": 10, "minute": 28, "second": 28}
